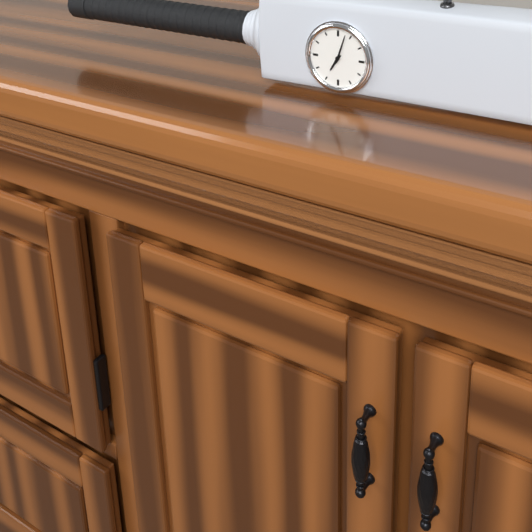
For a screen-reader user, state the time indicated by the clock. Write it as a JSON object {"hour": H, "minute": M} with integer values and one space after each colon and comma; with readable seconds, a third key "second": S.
{"hour": 7, "minute": 3}
